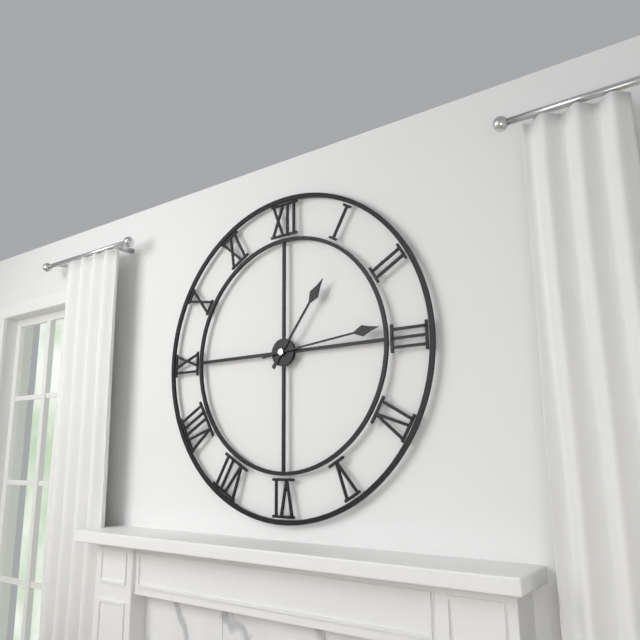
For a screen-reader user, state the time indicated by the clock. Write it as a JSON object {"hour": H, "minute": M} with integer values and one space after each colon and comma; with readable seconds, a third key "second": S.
{"hour": 1, "minute": 14}
